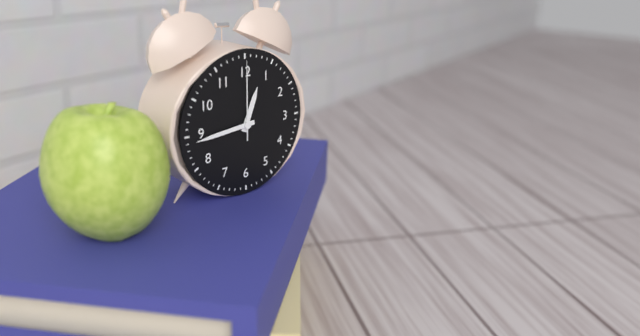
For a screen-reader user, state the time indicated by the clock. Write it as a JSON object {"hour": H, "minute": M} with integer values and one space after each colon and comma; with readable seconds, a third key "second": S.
{"hour": 12, "minute": 44, "second": 0}
